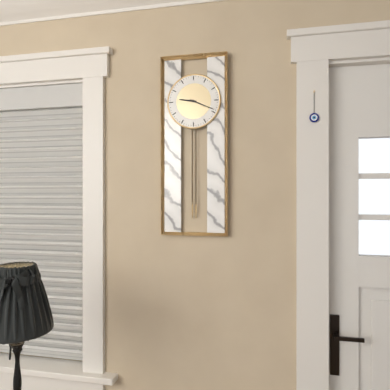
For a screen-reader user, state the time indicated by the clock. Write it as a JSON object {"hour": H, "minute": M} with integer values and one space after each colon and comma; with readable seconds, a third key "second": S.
{"hour": 9, "minute": 19}
